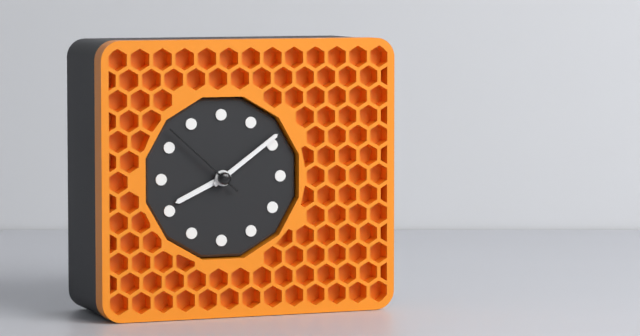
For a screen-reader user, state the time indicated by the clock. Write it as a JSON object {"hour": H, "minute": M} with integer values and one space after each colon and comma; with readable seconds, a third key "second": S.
{"hour": 8, "minute": 9, "second": 52}
